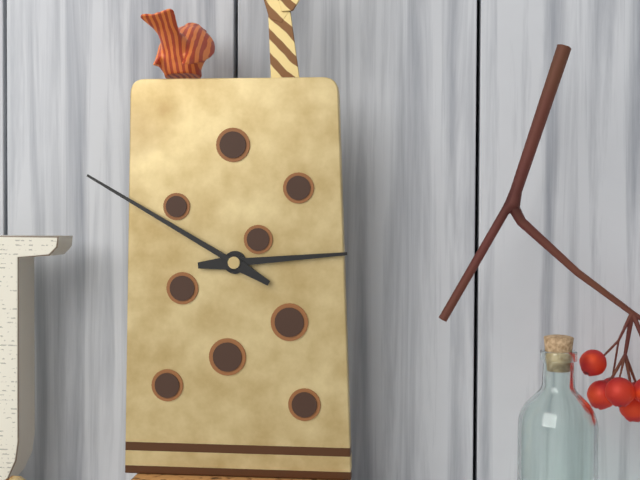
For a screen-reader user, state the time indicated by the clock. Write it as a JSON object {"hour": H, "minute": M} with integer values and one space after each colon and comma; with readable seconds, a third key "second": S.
{"hour": 2, "minute": 50}
